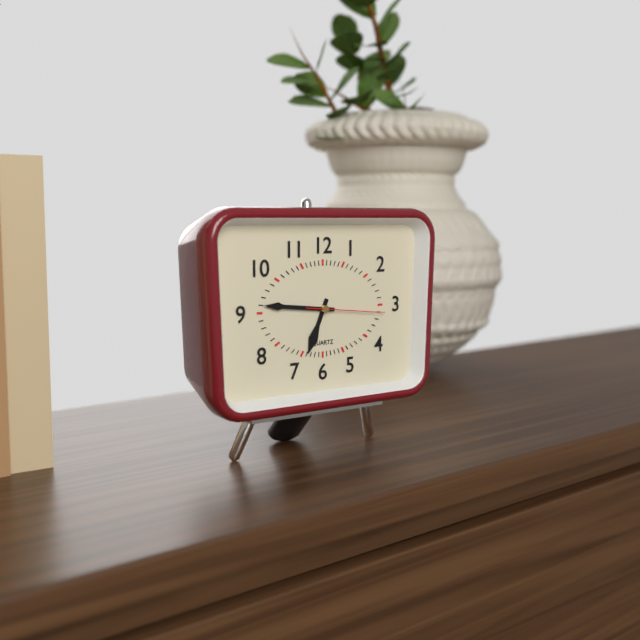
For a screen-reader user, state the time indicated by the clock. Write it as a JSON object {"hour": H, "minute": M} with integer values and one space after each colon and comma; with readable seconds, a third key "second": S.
{"hour": 6, "minute": 46, "second": 16}
